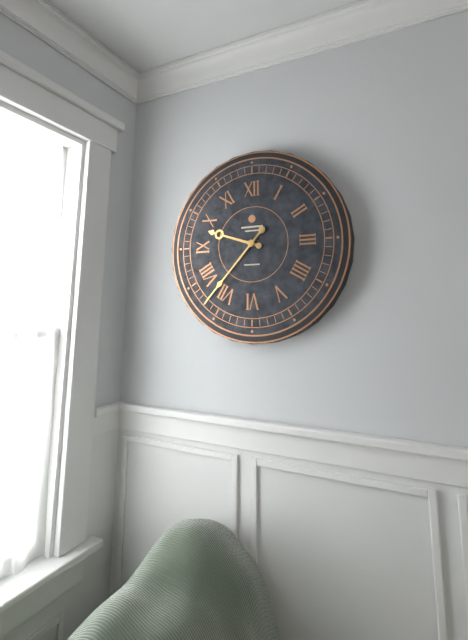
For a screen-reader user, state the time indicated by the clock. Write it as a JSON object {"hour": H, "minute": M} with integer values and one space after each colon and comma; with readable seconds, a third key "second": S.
{"hour": 9, "minute": 37}
